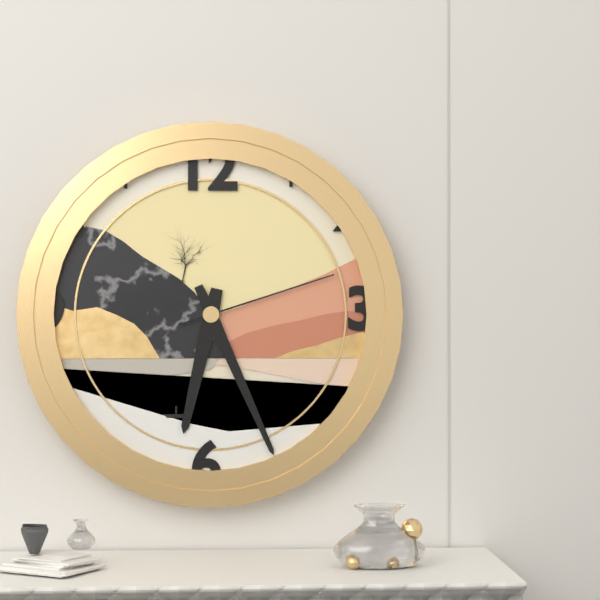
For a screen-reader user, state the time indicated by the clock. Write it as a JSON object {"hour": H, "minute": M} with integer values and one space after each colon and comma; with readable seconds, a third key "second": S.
{"hour": 6, "minute": 26, "second": 12}
